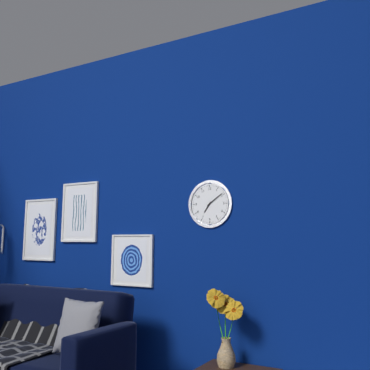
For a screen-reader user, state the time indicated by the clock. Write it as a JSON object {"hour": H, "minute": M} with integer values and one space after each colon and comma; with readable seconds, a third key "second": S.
{"hour": 7, "minute": 9}
